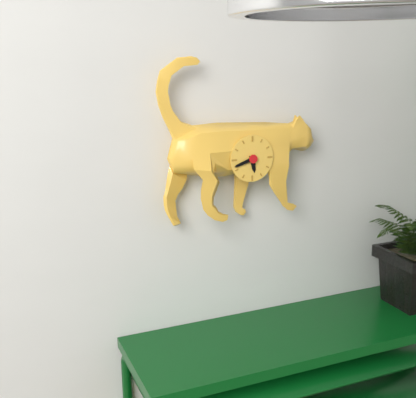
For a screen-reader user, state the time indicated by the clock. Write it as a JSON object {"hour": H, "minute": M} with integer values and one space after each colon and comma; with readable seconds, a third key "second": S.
{"hour": 5, "minute": 42}
